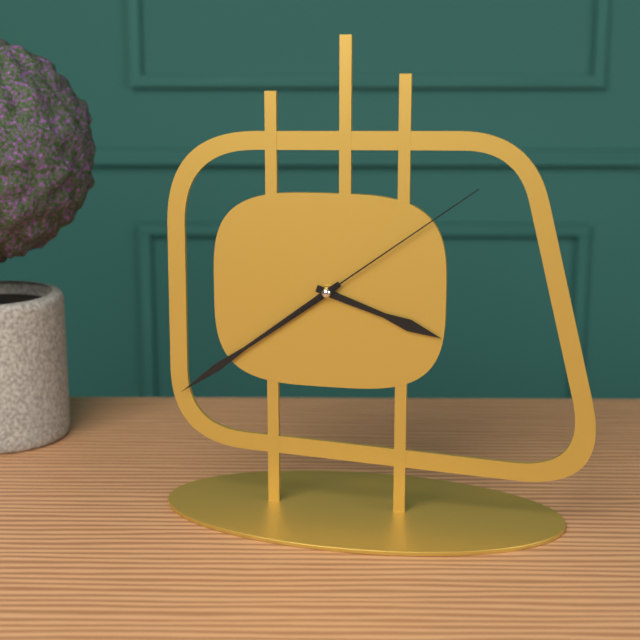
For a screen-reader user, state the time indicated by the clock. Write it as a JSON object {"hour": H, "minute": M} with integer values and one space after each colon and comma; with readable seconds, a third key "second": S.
{"hour": 3, "minute": 39, "second": 9}
